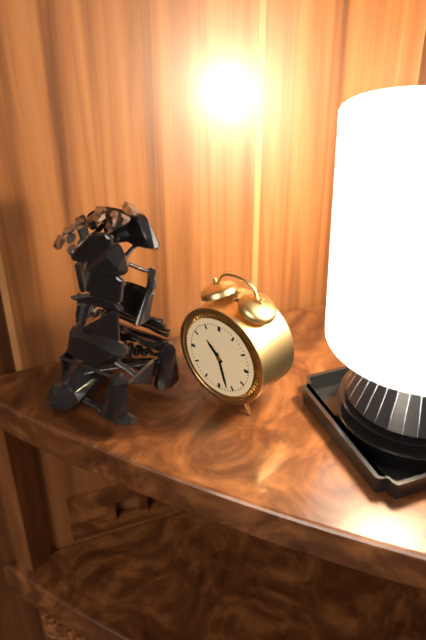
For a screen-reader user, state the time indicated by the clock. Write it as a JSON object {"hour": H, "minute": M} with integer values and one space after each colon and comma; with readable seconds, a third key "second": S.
{"hour": 10, "minute": 27}
